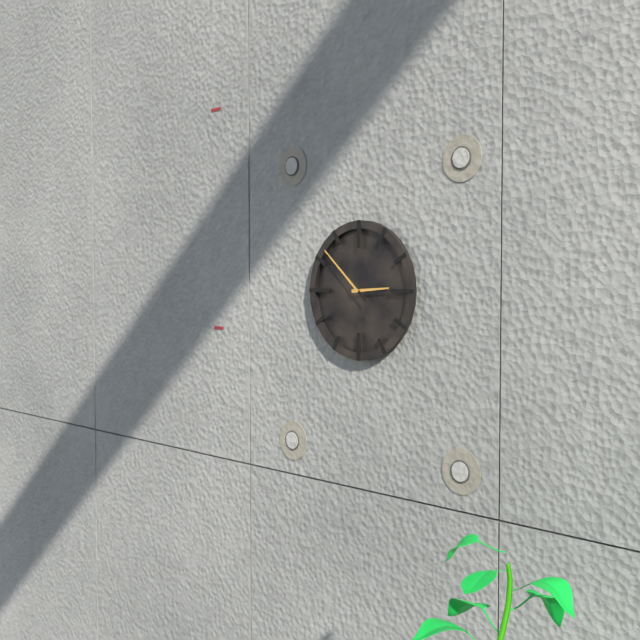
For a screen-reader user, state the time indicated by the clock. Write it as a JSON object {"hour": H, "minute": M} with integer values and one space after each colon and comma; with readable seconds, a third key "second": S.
{"hour": 2, "minute": 52}
